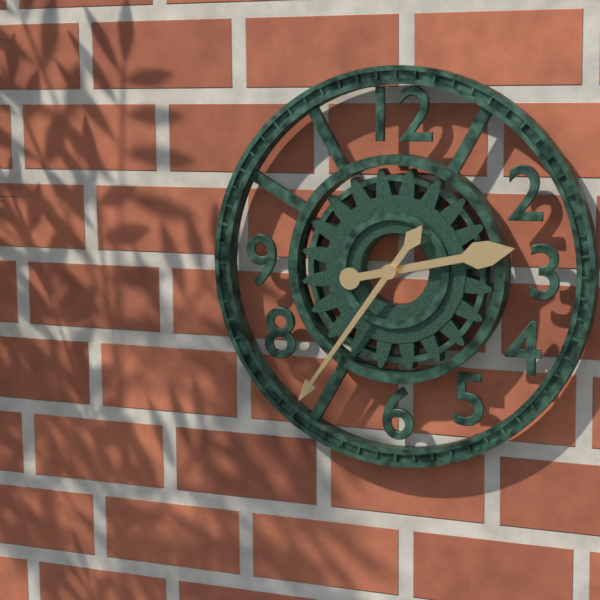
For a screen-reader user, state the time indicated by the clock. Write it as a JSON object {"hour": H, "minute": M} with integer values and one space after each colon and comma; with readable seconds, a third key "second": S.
{"hour": 2, "minute": 36}
